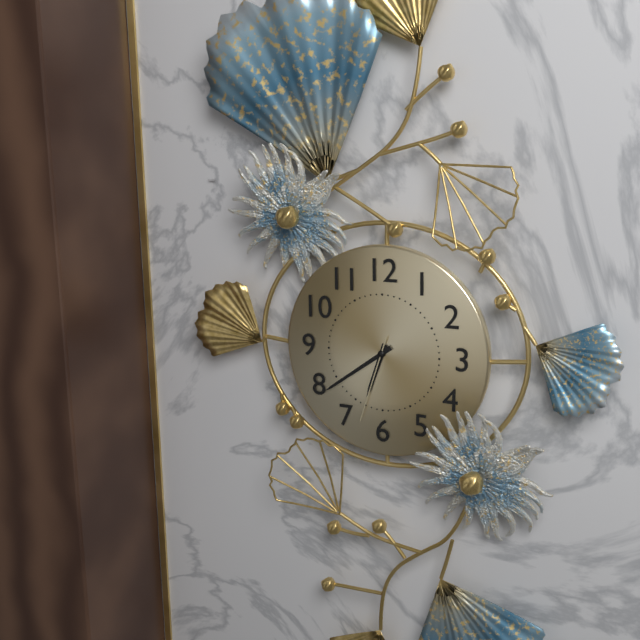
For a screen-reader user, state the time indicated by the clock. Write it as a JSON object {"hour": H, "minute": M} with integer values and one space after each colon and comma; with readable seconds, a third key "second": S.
{"hour": 6, "minute": 39, "second": 33}
